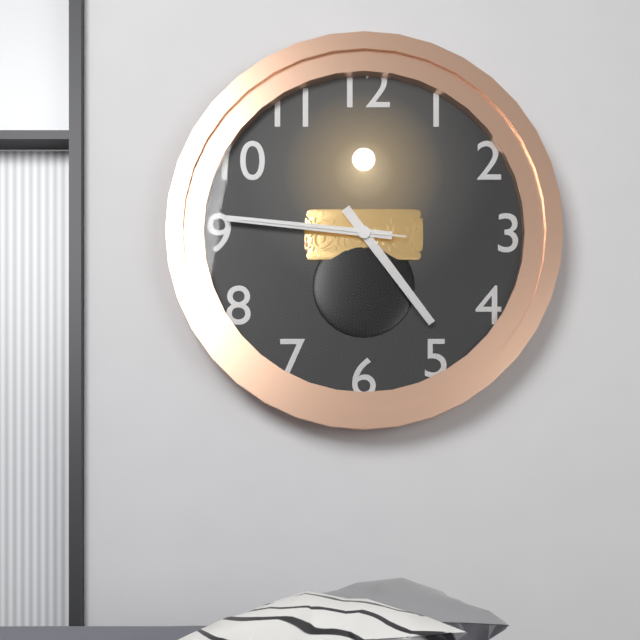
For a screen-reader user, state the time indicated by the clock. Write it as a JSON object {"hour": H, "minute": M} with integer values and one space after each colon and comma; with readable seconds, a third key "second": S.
{"hour": 4, "minute": 46, "second": 46}
